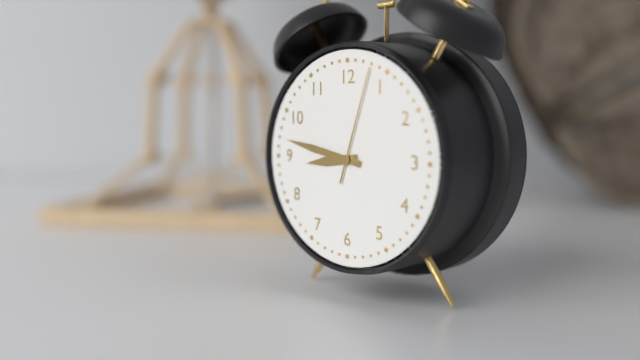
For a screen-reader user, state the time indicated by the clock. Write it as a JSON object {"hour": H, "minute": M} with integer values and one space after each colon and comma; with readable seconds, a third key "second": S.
{"hour": 8, "minute": 47, "second": 3}
